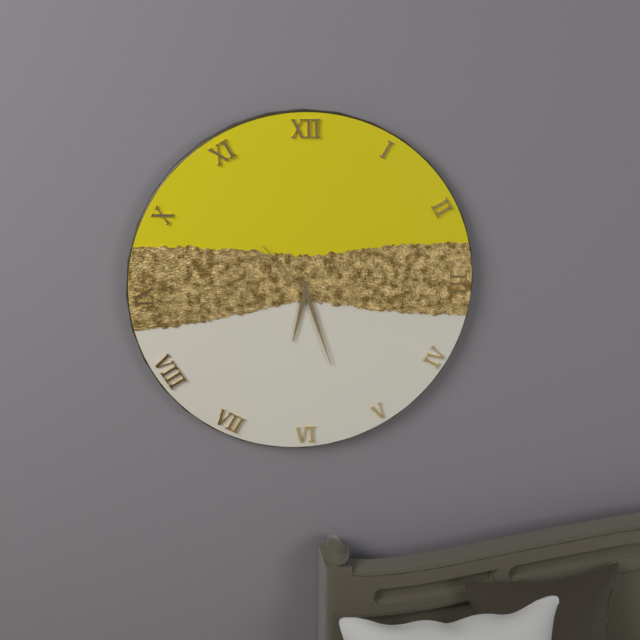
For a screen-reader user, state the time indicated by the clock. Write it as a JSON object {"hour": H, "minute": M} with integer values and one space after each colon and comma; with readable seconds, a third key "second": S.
{"hour": 6, "minute": 27, "second": 53}
